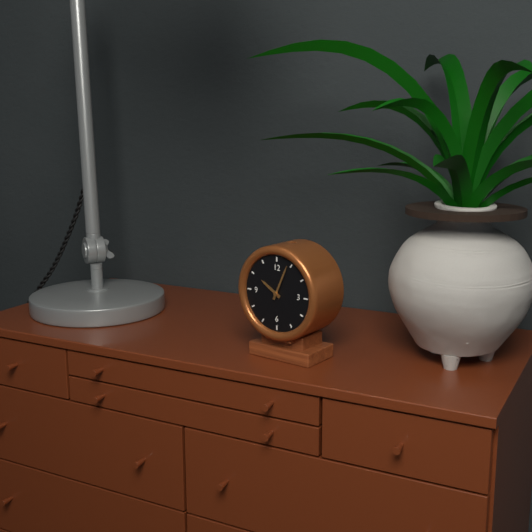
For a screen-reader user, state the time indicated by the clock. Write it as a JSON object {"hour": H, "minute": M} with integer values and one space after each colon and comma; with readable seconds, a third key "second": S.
{"hour": 10, "minute": 4}
